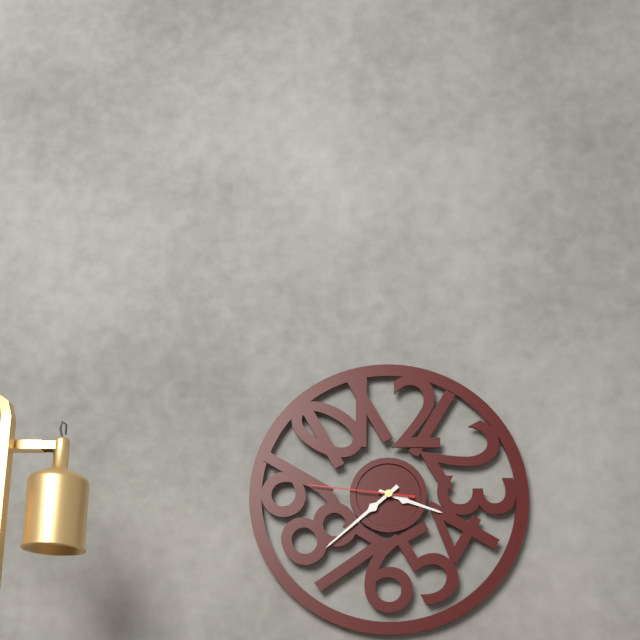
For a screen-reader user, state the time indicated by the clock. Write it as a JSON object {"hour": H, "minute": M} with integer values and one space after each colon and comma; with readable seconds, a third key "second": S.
{"hour": 3, "minute": 38, "second": 46}
